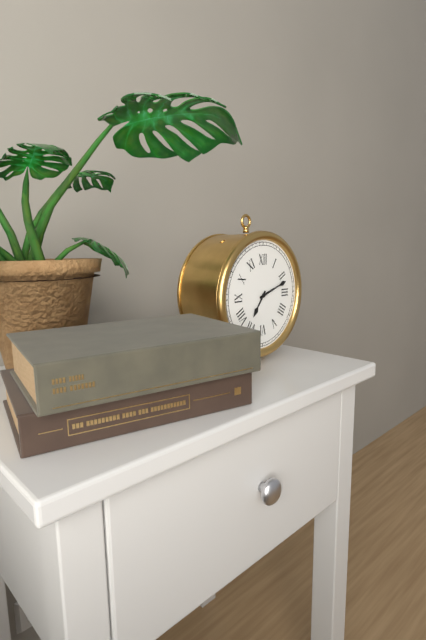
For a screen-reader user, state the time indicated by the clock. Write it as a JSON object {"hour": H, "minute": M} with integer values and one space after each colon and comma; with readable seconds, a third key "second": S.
{"hour": 7, "minute": 12}
